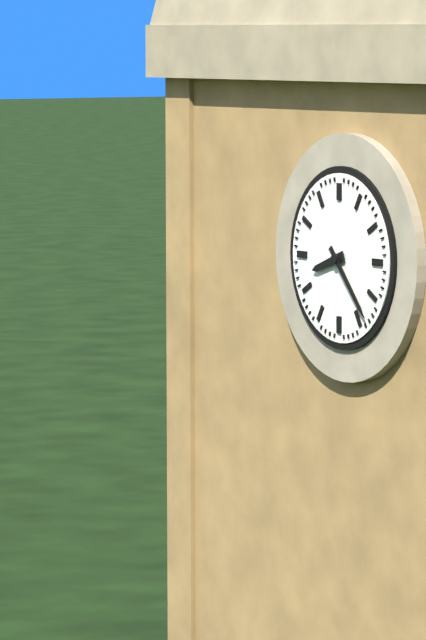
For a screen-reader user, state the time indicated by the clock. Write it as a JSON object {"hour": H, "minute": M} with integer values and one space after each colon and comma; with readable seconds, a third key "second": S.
{"hour": 8, "minute": 23}
